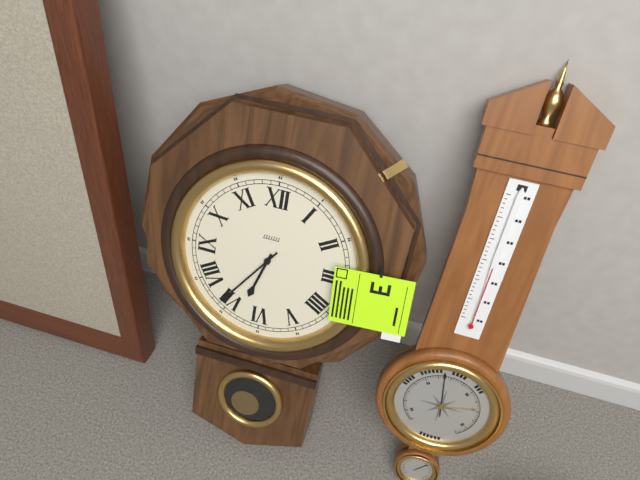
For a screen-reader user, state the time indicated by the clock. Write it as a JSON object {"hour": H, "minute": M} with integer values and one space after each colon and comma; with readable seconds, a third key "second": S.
{"hour": 6, "minute": 36}
